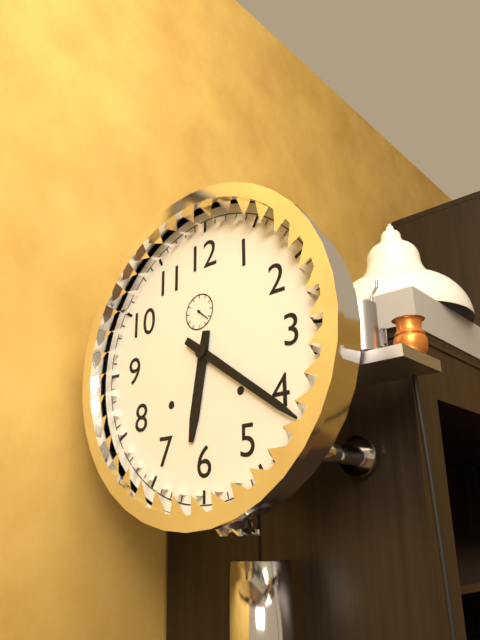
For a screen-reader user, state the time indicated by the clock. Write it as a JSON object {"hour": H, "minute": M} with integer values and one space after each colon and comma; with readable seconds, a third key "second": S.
{"hour": 6, "minute": 21}
